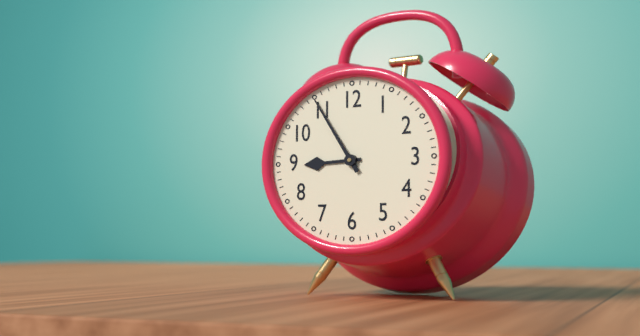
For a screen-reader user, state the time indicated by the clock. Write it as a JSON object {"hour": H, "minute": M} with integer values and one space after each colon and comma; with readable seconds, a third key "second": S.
{"hour": 8, "minute": 55}
